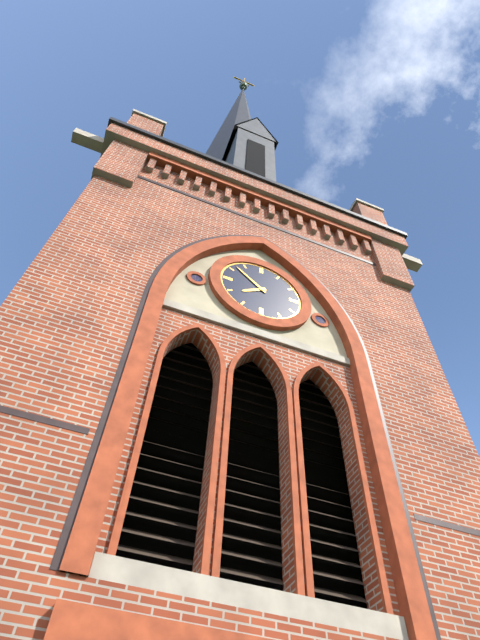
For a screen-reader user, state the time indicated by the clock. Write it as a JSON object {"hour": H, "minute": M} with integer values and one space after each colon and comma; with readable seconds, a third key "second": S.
{"hour": 7, "minute": 52}
